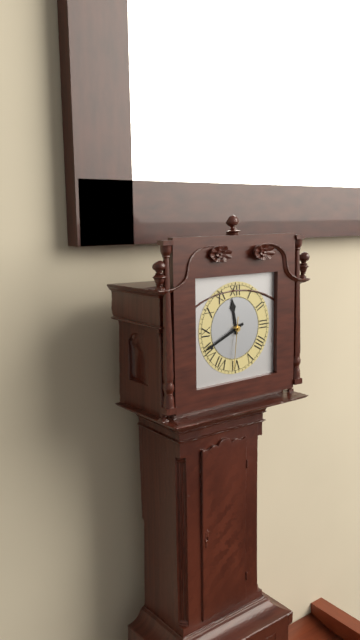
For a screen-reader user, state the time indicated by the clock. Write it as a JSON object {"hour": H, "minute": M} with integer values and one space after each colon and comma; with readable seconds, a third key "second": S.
{"hour": 11, "minute": 41, "second": 31}
